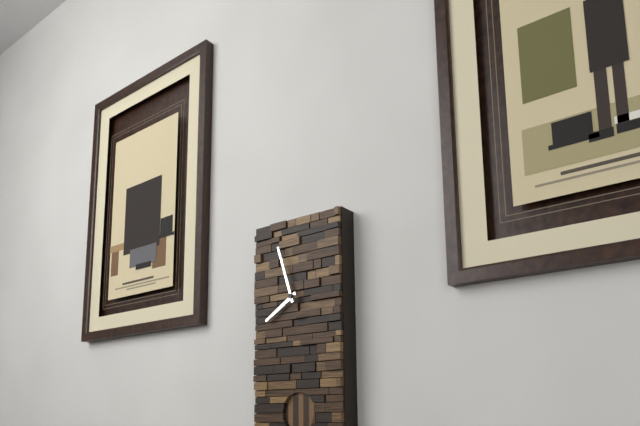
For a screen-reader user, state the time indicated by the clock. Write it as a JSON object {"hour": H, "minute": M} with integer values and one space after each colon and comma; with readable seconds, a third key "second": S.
{"hour": 7, "minute": 57}
